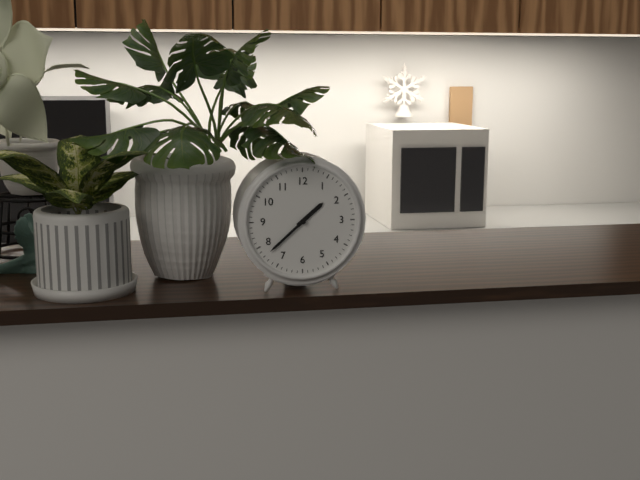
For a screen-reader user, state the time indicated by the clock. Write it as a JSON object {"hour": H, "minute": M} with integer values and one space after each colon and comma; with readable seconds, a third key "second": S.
{"hour": 1, "minute": 38}
